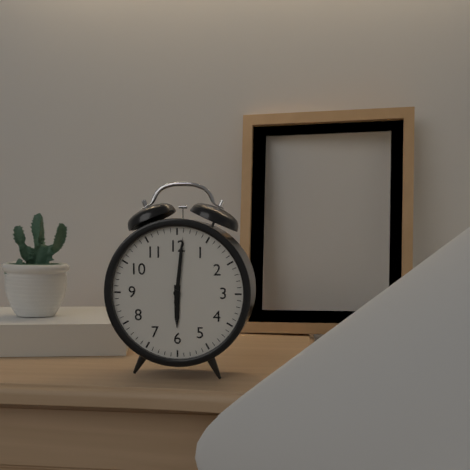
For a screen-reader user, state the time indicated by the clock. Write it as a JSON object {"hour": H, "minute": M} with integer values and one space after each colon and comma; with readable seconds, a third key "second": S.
{"hour": 6, "minute": 1}
